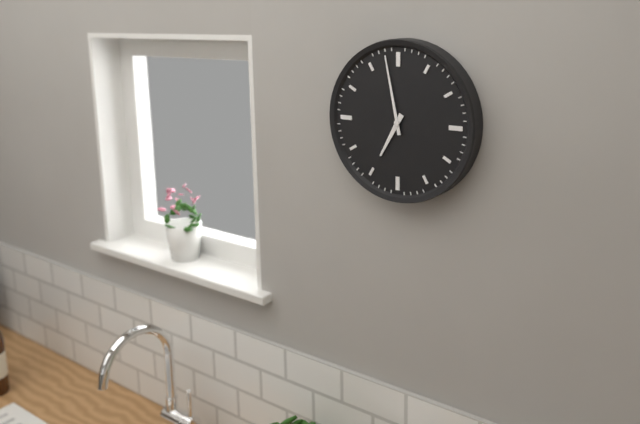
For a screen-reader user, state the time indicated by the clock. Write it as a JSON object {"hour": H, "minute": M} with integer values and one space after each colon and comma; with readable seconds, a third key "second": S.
{"hour": 6, "minute": 58}
